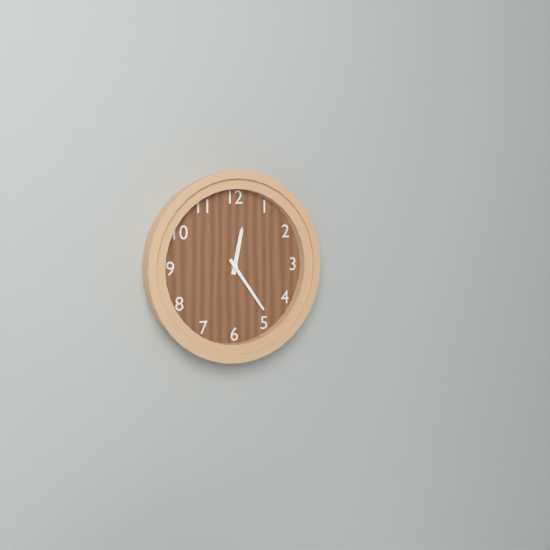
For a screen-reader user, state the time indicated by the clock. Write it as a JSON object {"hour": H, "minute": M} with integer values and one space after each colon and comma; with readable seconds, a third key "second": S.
{"hour": 12, "minute": 24}
